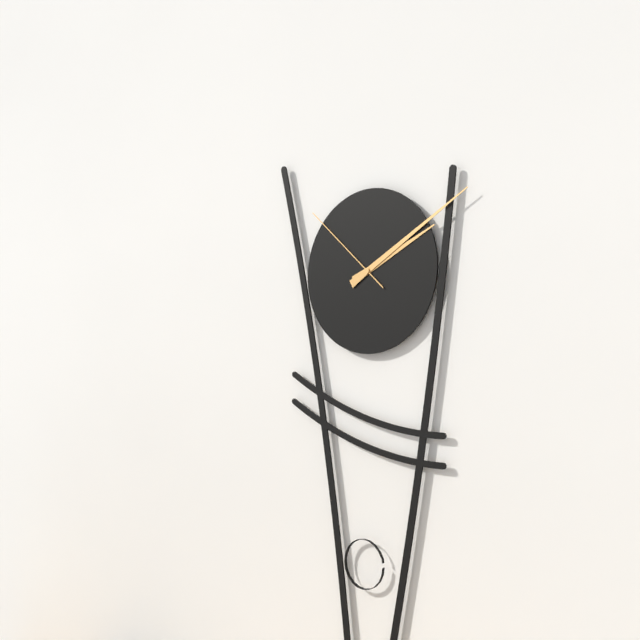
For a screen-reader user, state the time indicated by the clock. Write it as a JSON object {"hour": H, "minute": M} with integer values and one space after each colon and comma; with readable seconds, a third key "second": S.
{"hour": 2, "minute": 10, "second": 52}
